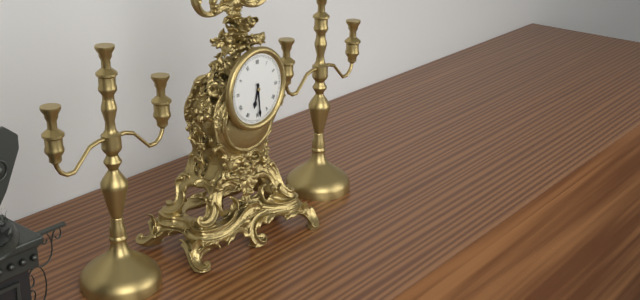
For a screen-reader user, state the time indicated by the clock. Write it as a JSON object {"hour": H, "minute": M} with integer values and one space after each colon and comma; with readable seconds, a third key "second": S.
{"hour": 6, "minute": 29}
